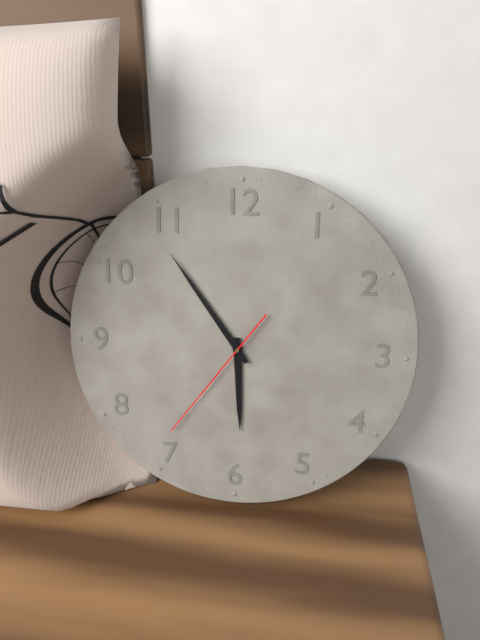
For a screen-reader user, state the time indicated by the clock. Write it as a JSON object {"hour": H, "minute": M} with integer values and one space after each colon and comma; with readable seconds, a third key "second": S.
{"hour": 5, "minute": 54, "second": 36}
